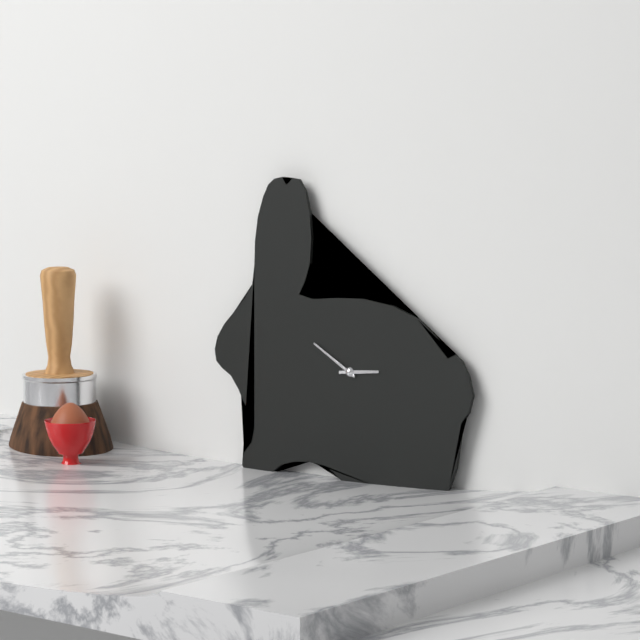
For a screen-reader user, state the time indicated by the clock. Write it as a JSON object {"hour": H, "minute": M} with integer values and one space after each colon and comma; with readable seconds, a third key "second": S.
{"hour": 2, "minute": 50}
